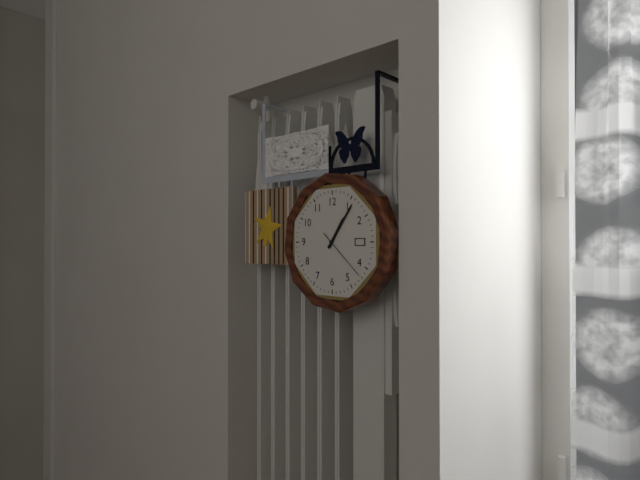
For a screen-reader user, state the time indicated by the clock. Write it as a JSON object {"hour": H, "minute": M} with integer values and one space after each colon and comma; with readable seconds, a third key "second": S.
{"hour": 1, "minute": 6}
